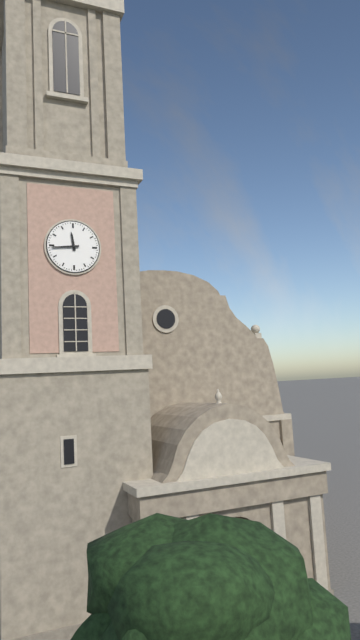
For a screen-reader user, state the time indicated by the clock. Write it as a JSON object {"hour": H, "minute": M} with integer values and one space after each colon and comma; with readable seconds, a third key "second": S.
{"hour": 11, "minute": 44}
